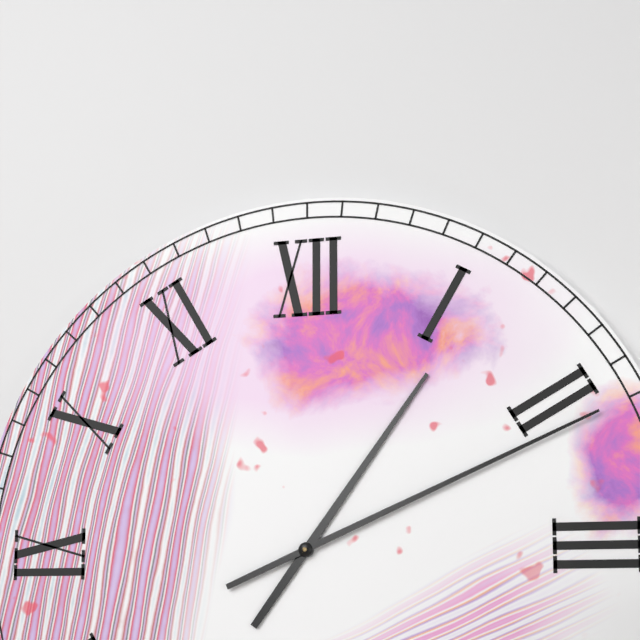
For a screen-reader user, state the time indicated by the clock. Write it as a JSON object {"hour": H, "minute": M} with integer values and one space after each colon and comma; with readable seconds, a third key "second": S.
{"hour": 1, "minute": 11}
